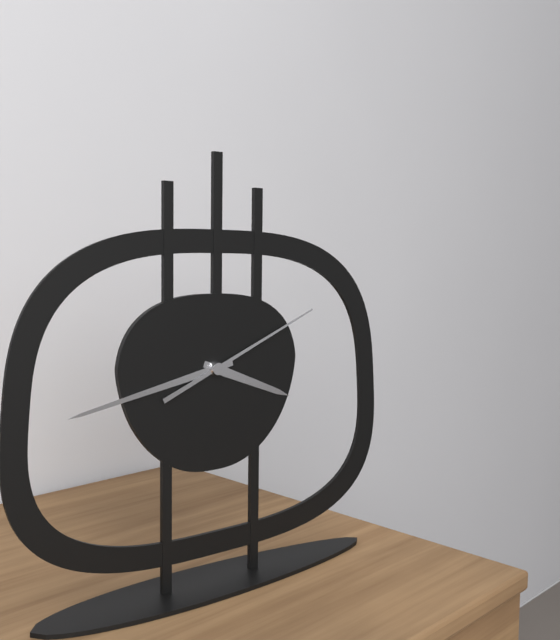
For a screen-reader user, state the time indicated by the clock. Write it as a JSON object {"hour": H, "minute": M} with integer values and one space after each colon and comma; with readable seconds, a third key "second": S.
{"hour": 3, "minute": 43, "second": 11}
